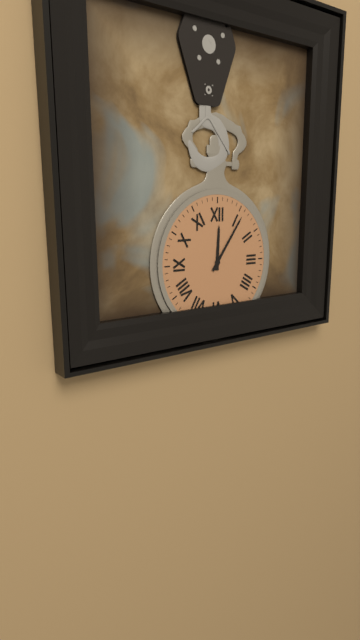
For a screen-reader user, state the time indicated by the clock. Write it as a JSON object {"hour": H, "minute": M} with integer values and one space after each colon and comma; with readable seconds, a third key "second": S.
{"hour": 12, "minute": 6}
